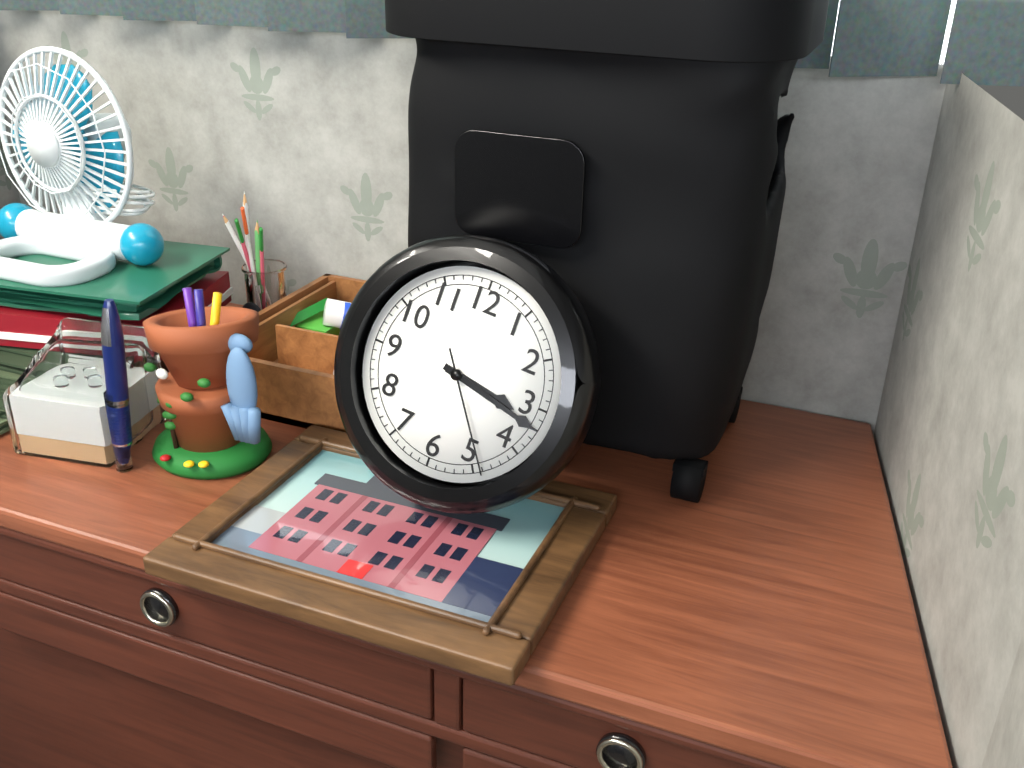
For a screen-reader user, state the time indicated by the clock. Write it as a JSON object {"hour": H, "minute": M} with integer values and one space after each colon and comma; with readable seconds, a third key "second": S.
{"hour": 3, "minute": 17, "second": 24}
